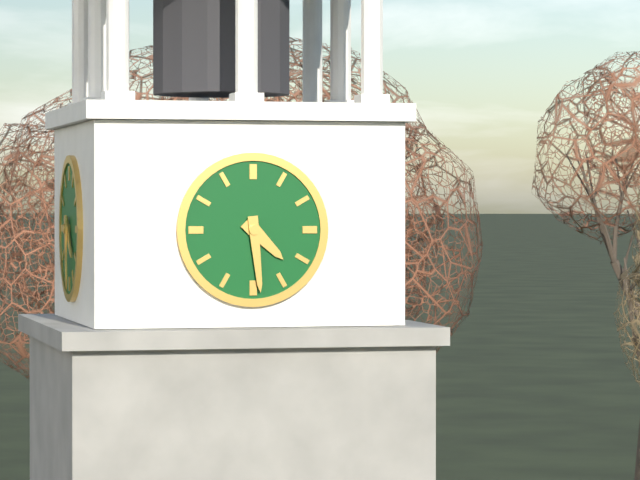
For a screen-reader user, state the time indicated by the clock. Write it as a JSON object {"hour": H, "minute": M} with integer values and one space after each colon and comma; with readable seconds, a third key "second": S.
{"hour": 4, "minute": 29}
